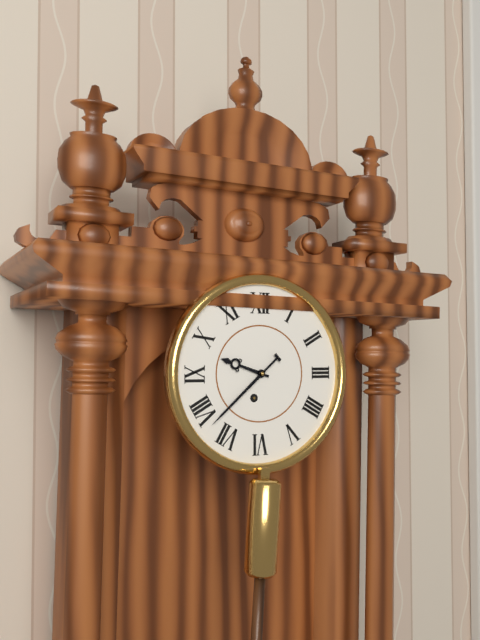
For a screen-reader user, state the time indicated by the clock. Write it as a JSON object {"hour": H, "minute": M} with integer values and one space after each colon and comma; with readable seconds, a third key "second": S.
{"hour": 9, "minute": 38}
